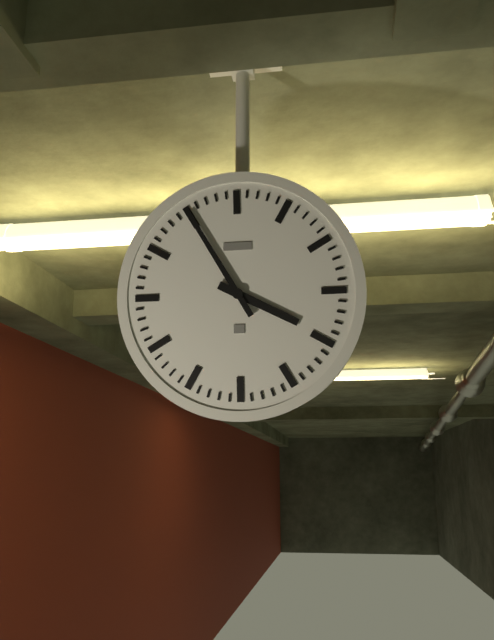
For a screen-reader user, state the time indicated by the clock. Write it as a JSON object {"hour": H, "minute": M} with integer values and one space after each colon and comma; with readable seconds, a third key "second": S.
{"hour": 3, "minute": 55}
